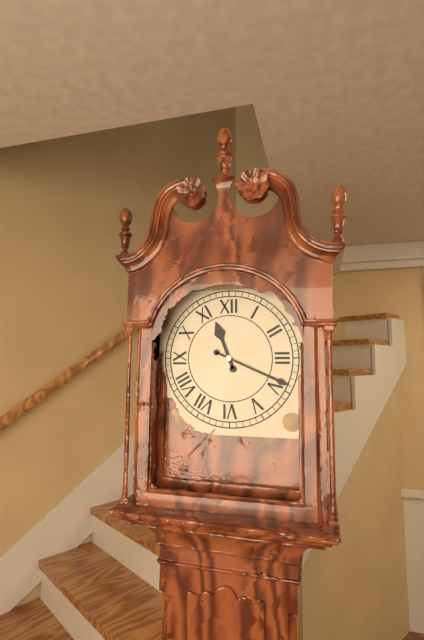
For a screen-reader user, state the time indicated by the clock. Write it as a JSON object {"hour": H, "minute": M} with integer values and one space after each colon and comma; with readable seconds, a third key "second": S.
{"hour": 11, "minute": 19}
